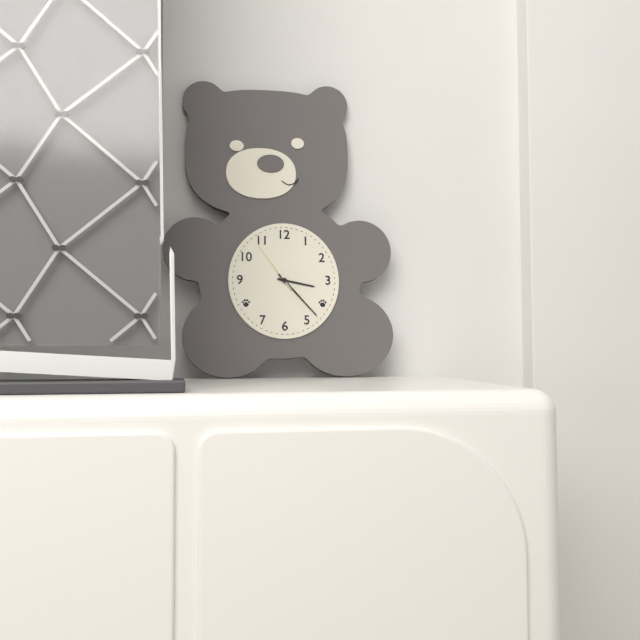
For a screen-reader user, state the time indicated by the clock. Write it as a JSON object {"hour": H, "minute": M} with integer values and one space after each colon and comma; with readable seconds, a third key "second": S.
{"hour": 3, "minute": 23, "second": 54}
